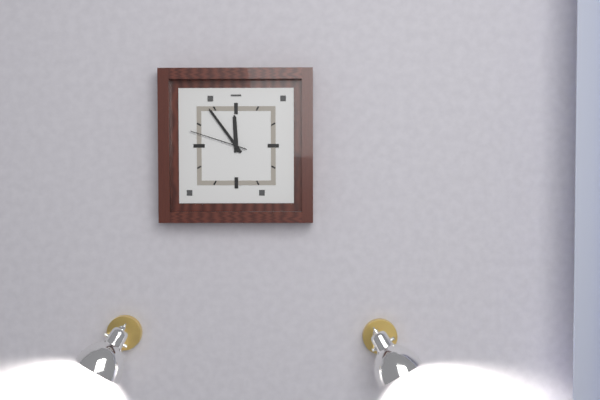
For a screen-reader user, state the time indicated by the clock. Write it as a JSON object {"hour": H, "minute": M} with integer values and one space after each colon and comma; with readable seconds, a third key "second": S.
{"hour": 11, "minute": 54, "second": 48}
